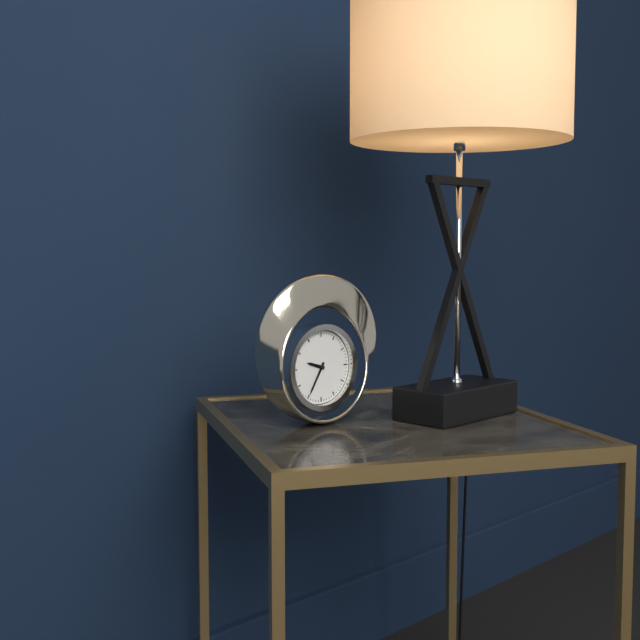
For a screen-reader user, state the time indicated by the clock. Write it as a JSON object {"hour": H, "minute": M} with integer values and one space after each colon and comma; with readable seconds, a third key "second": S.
{"hour": 9, "minute": 35}
